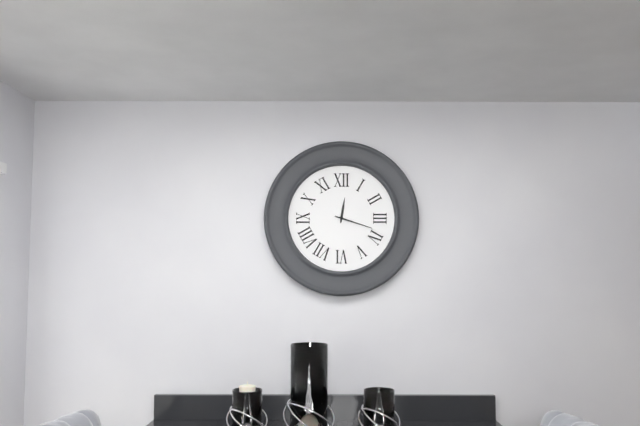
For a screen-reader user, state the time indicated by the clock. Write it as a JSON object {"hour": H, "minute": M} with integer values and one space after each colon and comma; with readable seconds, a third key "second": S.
{"hour": 12, "minute": 18}
